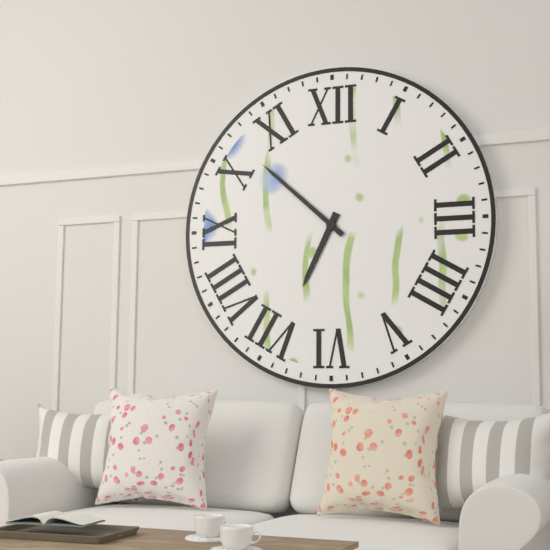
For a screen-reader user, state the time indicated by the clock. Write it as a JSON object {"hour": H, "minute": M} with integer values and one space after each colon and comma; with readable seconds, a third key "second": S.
{"hour": 6, "minute": 52}
